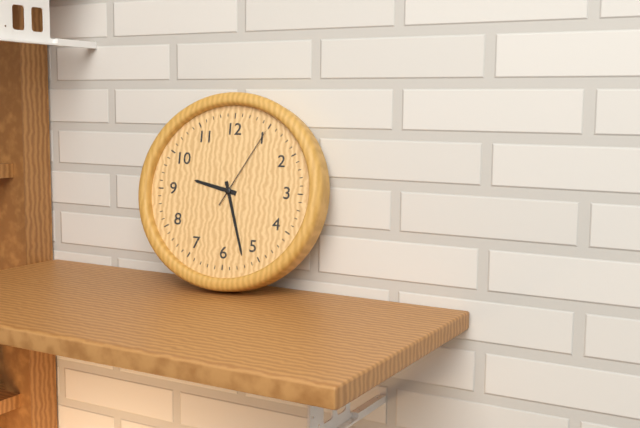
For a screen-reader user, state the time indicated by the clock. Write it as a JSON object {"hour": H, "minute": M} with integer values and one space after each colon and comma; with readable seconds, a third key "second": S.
{"hour": 9, "minute": 27, "second": 5}
